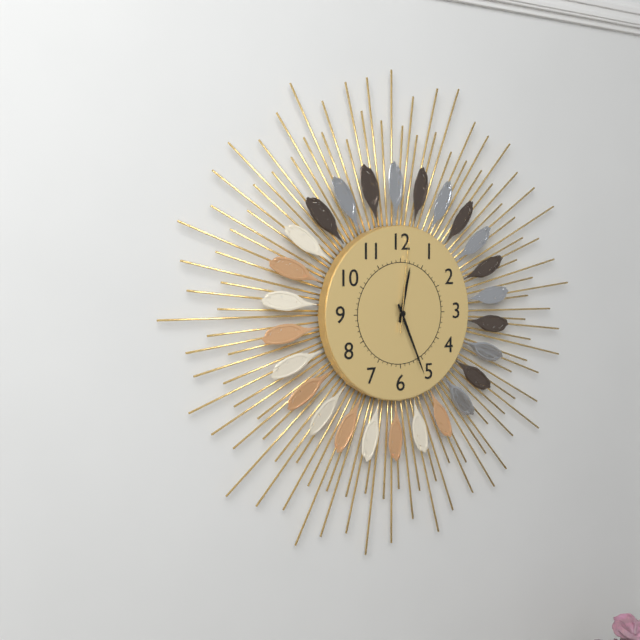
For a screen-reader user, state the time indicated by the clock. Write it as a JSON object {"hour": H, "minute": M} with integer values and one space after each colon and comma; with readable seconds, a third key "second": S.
{"hour": 12, "minute": 26, "second": 1}
